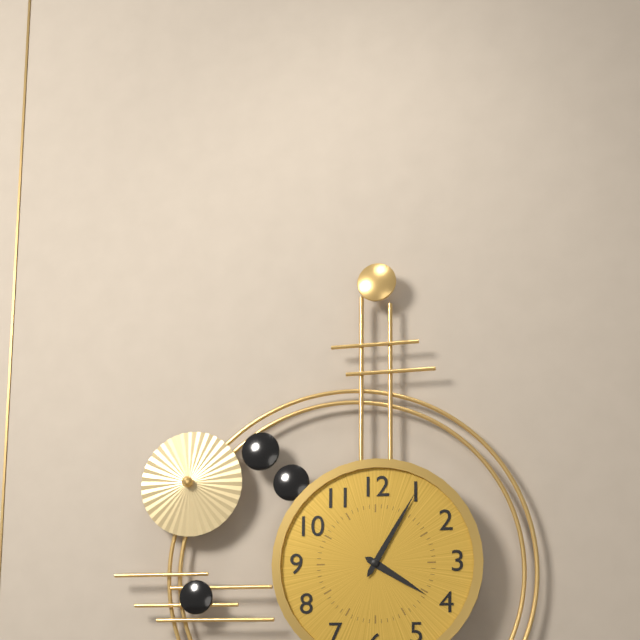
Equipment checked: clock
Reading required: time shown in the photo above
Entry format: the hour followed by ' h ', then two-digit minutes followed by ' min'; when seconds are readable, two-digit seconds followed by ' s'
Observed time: 4 h 05 min
